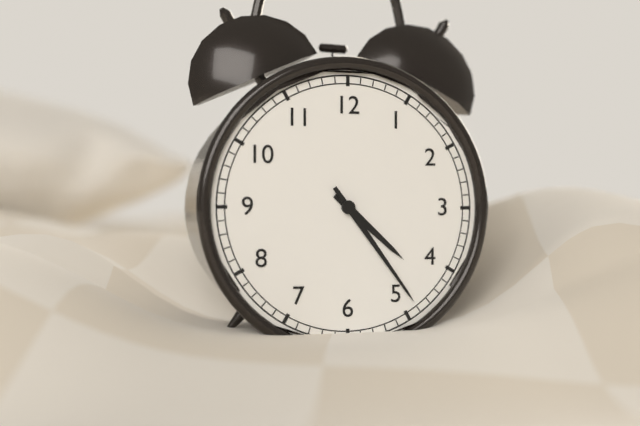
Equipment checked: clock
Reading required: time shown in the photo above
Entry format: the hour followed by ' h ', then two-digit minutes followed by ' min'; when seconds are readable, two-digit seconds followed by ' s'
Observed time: 4 h 24 min
